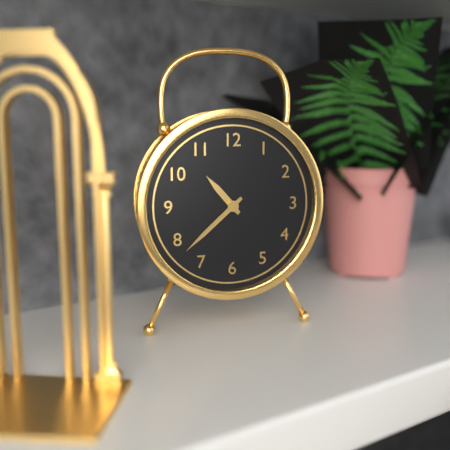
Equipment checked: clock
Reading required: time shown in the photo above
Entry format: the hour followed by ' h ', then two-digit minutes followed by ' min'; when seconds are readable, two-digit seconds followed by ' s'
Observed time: 10 h 38 min
